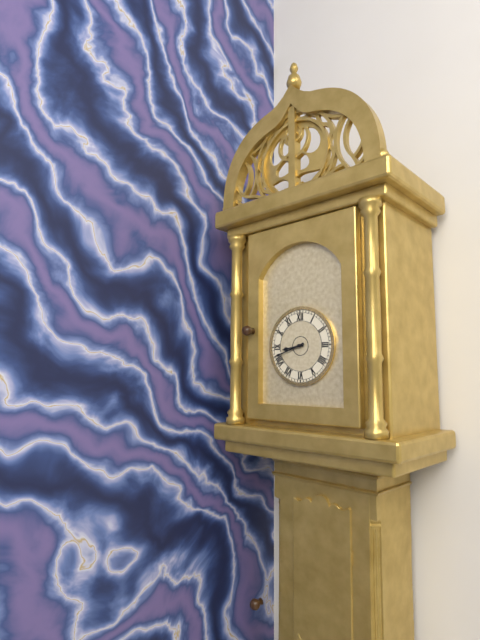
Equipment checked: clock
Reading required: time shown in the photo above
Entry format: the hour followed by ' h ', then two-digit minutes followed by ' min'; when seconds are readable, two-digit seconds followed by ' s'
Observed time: 8 h 42 min
